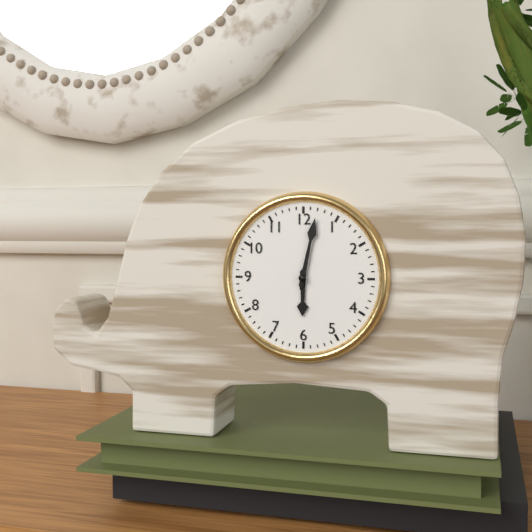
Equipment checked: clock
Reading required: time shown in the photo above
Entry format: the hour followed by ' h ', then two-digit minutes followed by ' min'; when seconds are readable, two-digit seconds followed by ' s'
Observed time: 6 h 02 min
